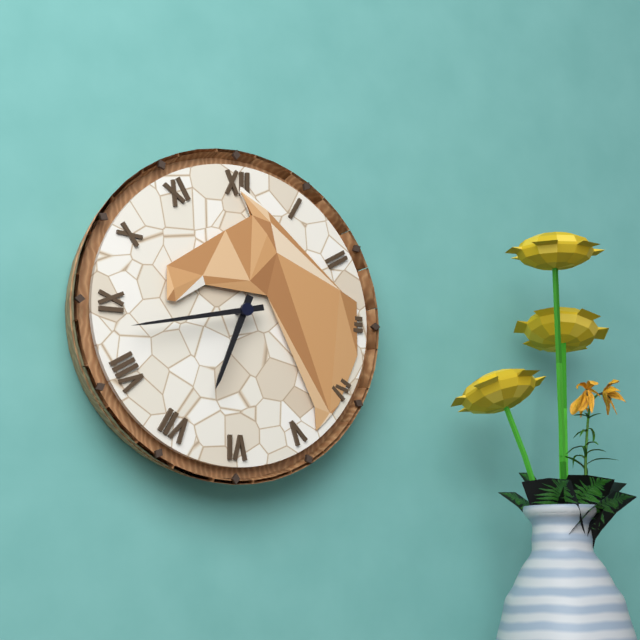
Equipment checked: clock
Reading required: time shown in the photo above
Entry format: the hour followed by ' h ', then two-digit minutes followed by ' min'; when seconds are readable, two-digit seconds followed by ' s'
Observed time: 6 h 43 min
